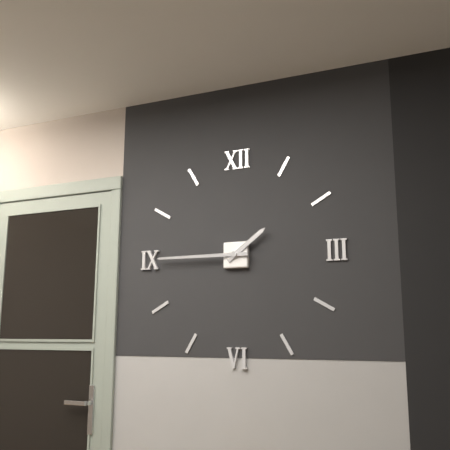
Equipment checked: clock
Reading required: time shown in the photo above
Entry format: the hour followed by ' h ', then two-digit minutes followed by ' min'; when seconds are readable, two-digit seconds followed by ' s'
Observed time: 1 h 45 min
